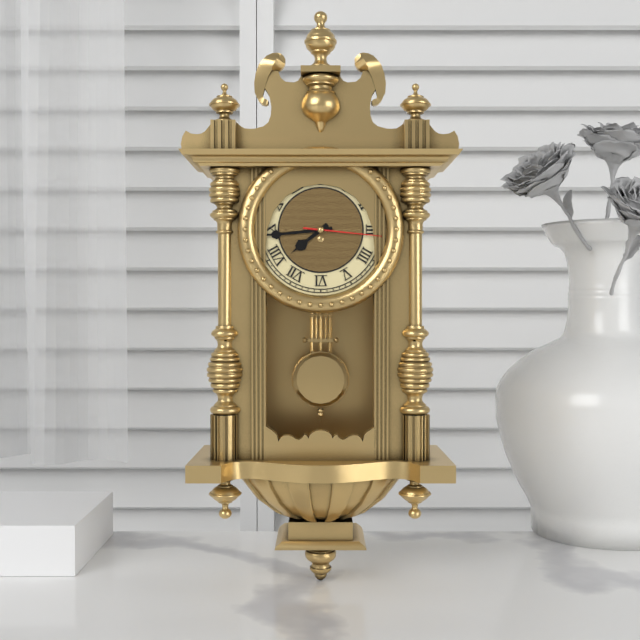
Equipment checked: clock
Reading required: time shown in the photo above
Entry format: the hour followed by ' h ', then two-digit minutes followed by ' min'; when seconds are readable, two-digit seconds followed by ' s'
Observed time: 7 h 44 min 16 s
